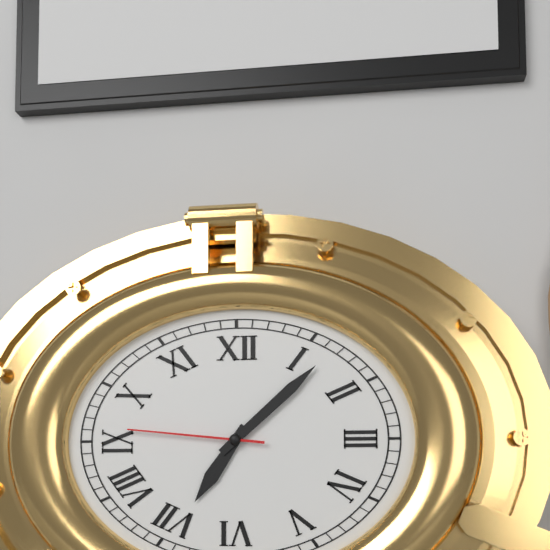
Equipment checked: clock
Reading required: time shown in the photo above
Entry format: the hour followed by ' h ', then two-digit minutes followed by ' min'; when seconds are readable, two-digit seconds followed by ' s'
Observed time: 7 h 08 min 46 s
